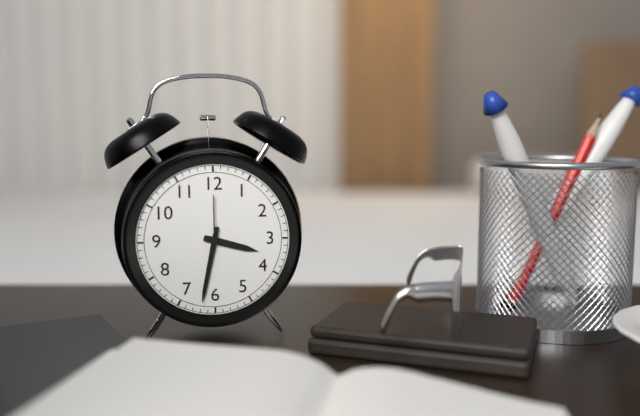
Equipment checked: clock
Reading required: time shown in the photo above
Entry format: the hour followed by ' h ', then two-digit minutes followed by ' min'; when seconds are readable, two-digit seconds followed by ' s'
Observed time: 3 h 32 min 00 s
